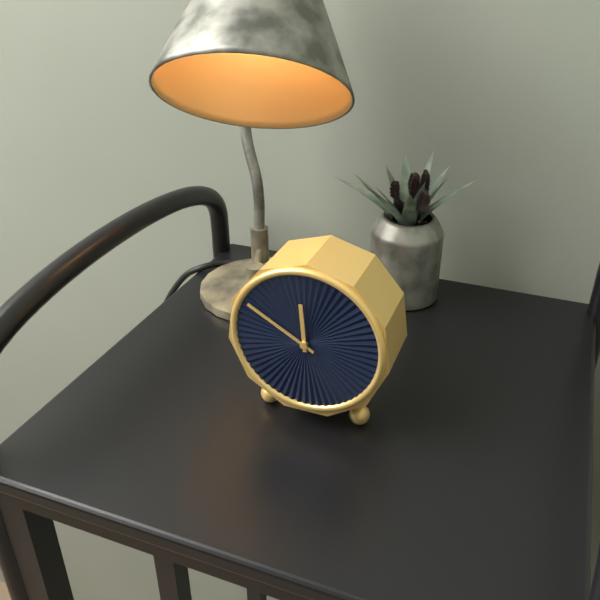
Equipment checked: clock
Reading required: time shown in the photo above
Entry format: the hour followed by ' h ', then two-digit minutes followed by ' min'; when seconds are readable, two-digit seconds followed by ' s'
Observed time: 11 h 50 min
